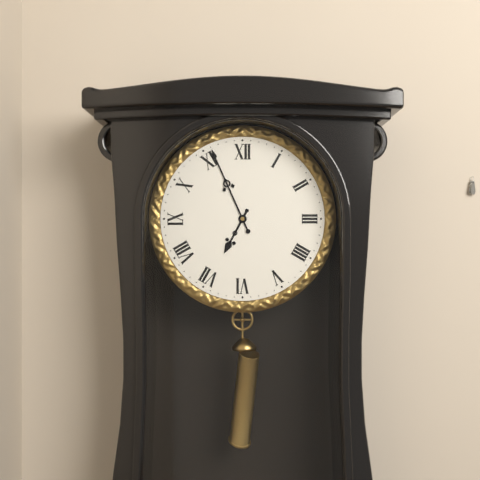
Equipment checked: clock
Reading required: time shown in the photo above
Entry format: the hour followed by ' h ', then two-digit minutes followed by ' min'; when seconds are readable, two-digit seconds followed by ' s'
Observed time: 6 h 56 min
